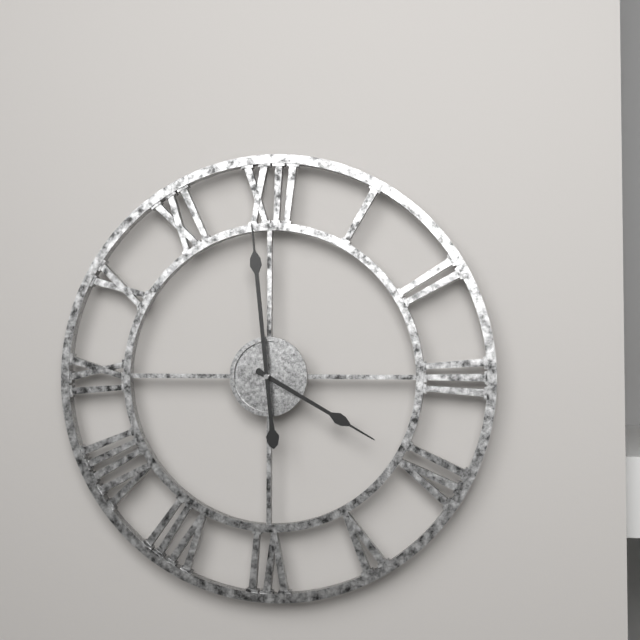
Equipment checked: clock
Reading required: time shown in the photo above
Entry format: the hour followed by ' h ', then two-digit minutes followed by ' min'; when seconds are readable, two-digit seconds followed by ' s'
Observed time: 3 h 59 min
